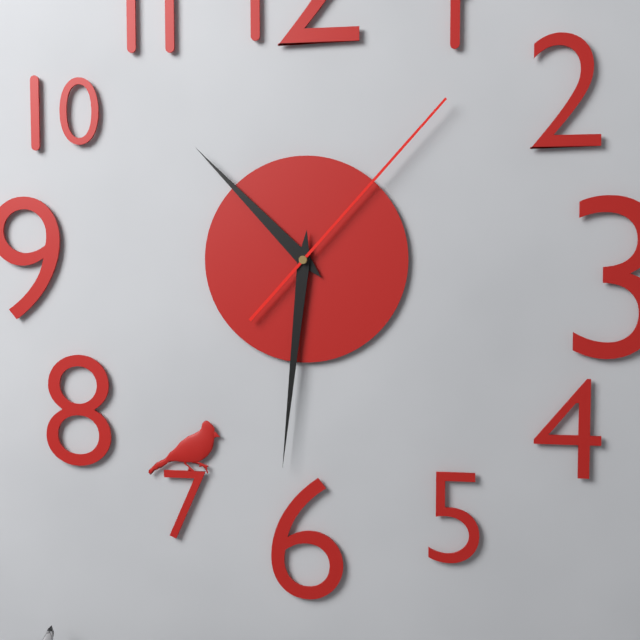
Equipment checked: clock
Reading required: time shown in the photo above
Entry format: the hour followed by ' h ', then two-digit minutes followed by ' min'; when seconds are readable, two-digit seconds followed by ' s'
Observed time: 10 h 31 min 07 s
